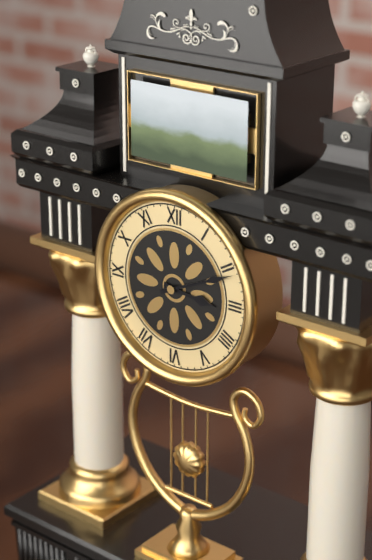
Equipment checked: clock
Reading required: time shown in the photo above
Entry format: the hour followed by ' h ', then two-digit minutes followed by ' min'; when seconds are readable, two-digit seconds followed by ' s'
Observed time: 3 h 11 min
